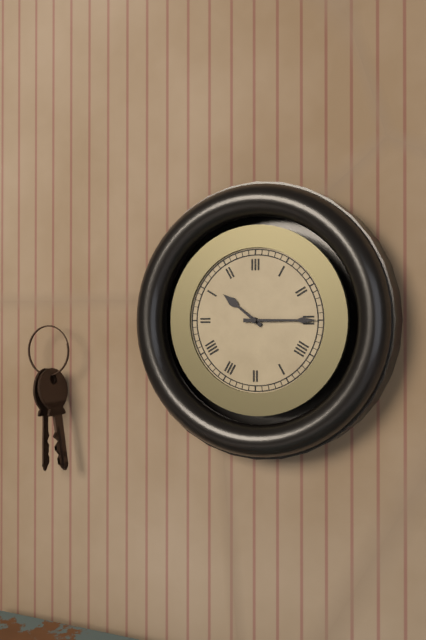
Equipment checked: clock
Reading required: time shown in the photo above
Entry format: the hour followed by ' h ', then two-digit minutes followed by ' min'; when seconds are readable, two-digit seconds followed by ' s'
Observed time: 10 h 15 min
